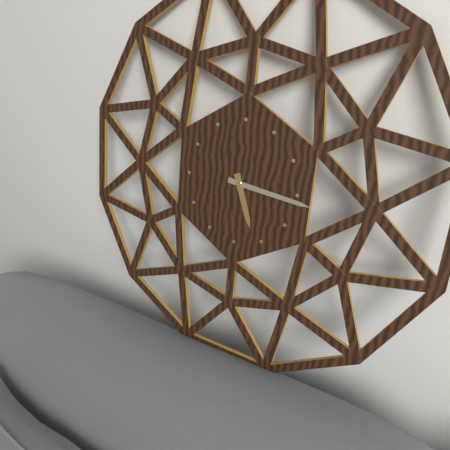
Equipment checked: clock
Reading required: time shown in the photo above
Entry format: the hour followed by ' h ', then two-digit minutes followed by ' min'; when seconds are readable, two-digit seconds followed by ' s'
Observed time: 5 h 16 min
